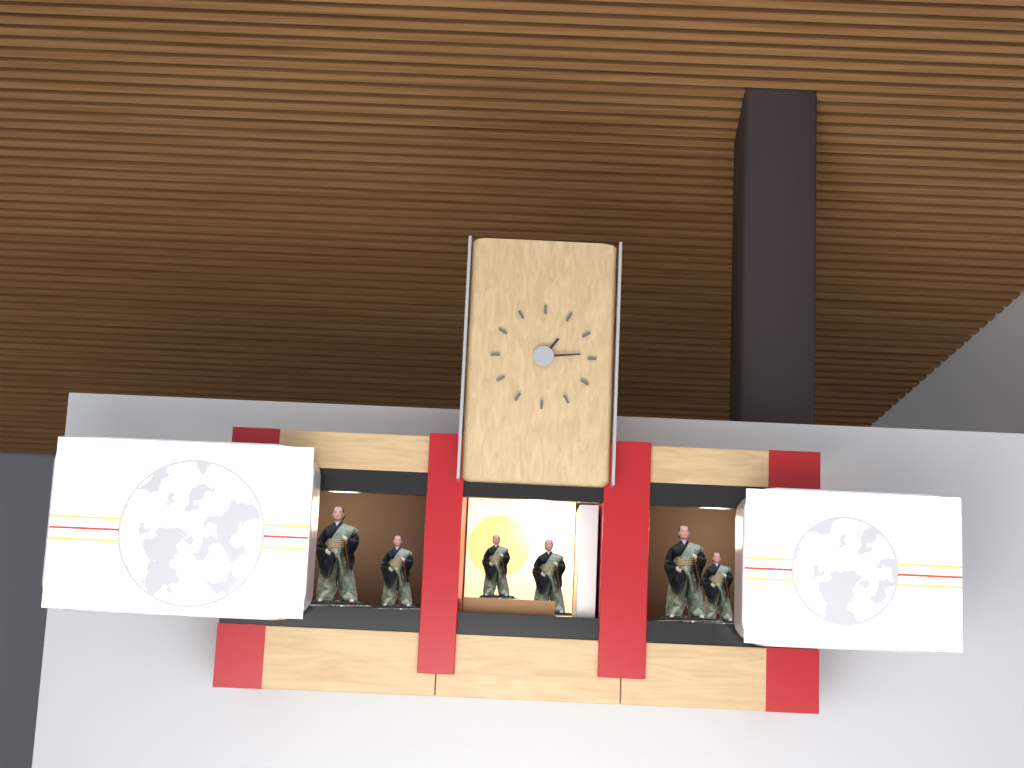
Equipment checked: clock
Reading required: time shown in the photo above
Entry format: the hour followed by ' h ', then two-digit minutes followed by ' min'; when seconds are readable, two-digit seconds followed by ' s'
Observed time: 1 h 14 min
